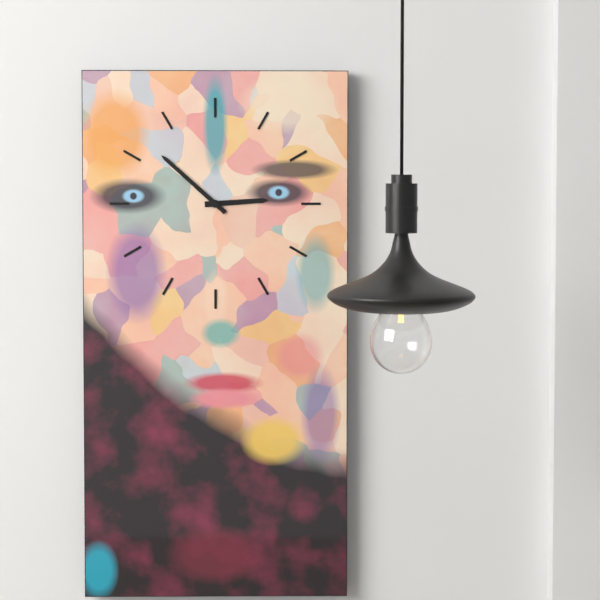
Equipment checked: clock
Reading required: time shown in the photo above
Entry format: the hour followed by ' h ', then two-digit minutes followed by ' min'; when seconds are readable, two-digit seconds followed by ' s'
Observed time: 2 h 52 min
